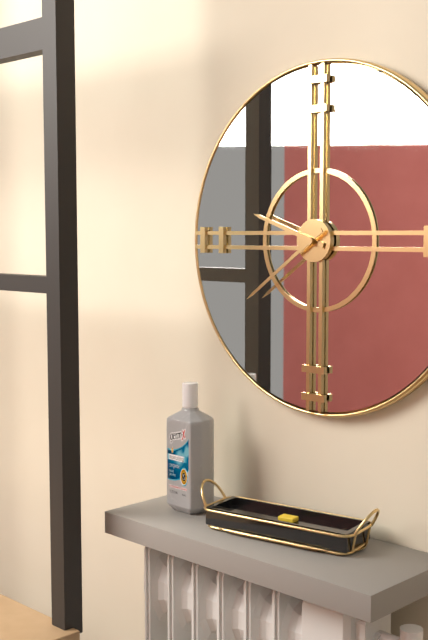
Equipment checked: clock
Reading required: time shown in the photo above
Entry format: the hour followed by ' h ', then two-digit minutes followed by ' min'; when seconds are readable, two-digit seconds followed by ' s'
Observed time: 9 h 39 min
